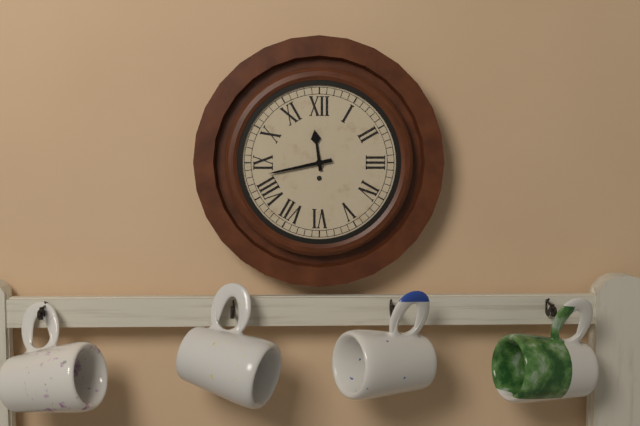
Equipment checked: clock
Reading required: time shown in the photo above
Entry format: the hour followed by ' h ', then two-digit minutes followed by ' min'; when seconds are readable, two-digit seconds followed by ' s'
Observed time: 11 h 43 min
